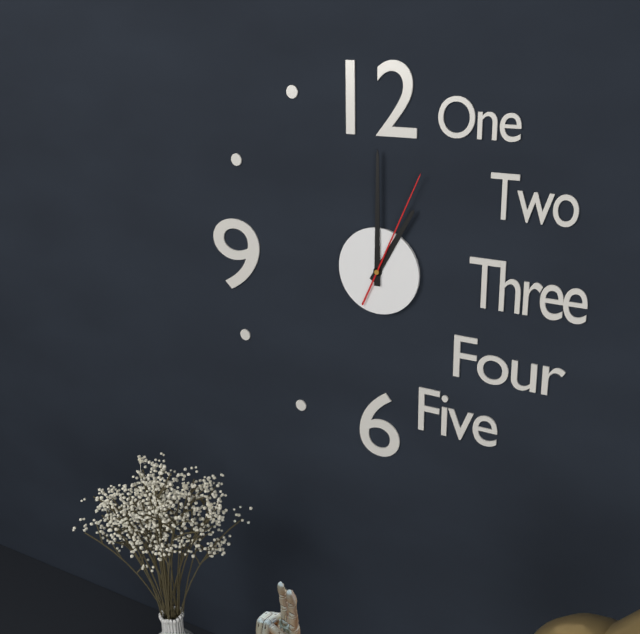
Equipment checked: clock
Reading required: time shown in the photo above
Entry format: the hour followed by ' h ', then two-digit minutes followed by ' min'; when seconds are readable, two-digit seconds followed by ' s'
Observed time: 1 h 00 min 04 s
